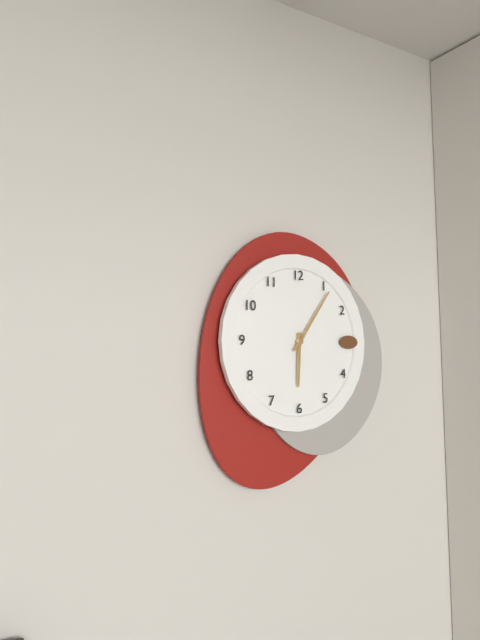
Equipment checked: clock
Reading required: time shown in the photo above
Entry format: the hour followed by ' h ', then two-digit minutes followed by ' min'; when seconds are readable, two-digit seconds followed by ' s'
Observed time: 6 h 06 min
